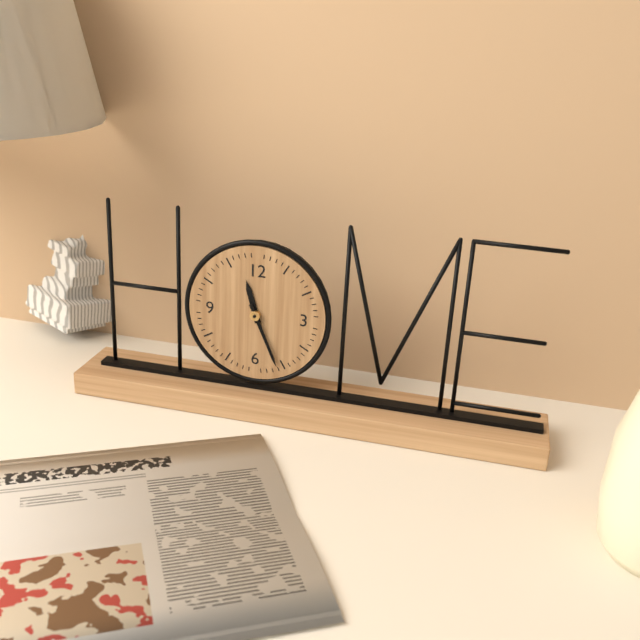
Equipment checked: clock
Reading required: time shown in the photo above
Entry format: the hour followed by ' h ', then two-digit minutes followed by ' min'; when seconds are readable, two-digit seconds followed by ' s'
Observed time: 11 h 26 min
